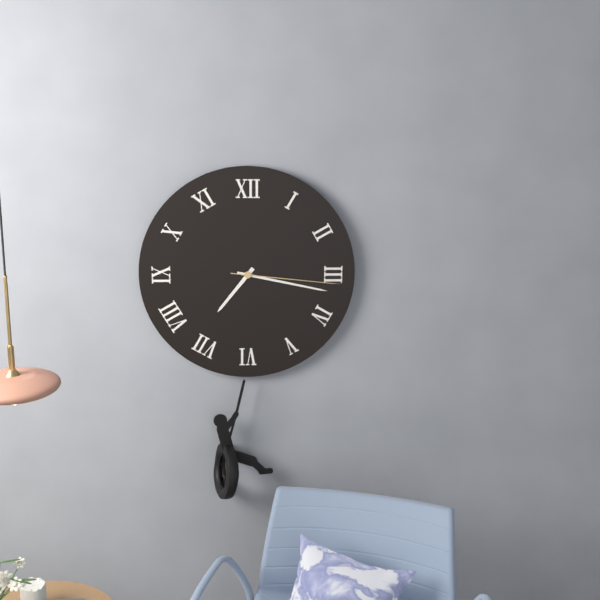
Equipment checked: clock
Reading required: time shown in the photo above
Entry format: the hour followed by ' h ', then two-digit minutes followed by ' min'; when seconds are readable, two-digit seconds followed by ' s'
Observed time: 7 h 17 min 16 s
